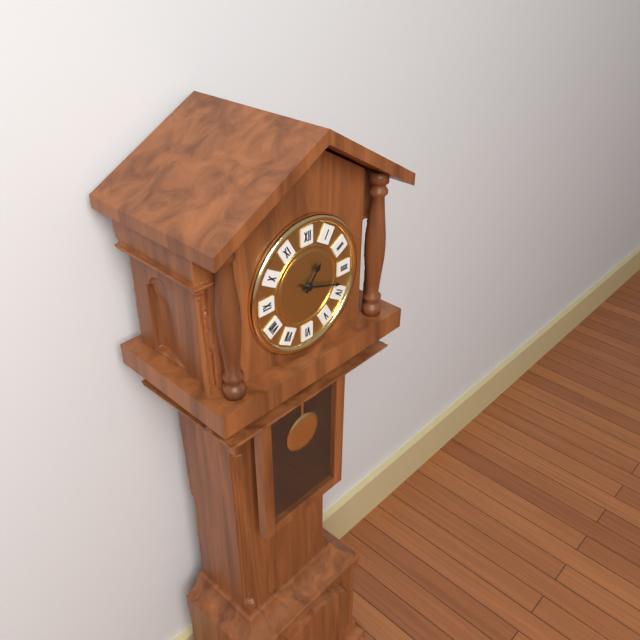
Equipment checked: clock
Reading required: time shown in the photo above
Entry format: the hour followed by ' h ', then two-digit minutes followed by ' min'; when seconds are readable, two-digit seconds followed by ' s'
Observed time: 1 h 18 min
